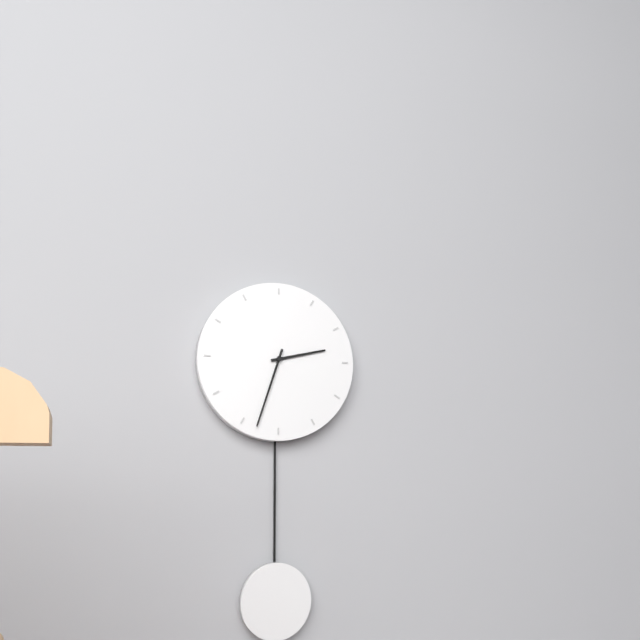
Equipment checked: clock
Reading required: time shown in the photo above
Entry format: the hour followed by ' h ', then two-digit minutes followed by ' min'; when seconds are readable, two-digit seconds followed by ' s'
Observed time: 2 h 33 min
